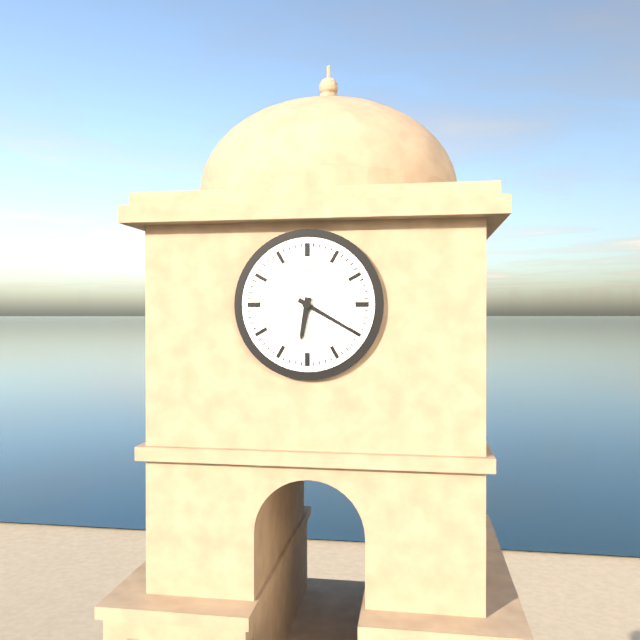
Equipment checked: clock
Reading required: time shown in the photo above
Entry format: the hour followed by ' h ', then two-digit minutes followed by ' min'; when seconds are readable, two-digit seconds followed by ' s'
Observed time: 6 h 20 min
